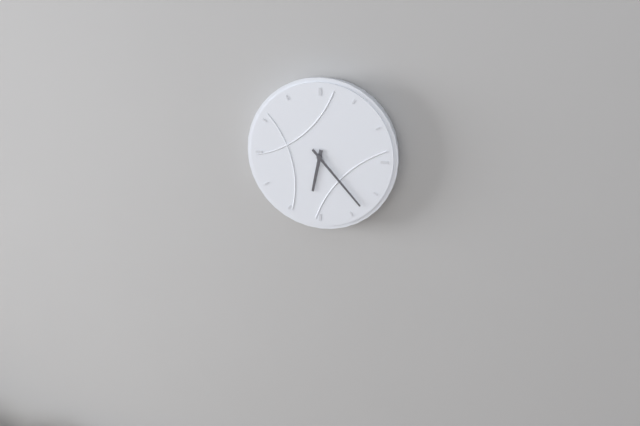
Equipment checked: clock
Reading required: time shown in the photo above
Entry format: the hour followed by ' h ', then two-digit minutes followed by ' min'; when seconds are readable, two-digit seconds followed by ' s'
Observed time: 6 h 23 min
